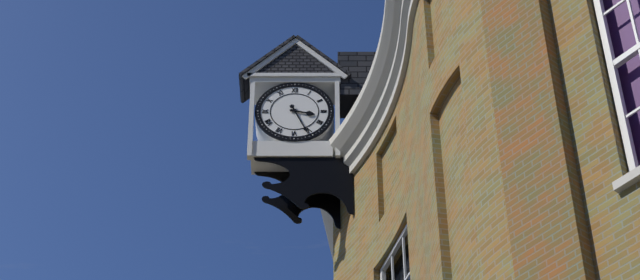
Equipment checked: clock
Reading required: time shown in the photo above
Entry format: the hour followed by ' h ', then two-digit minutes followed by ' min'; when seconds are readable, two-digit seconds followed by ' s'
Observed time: 3 h 26 min
